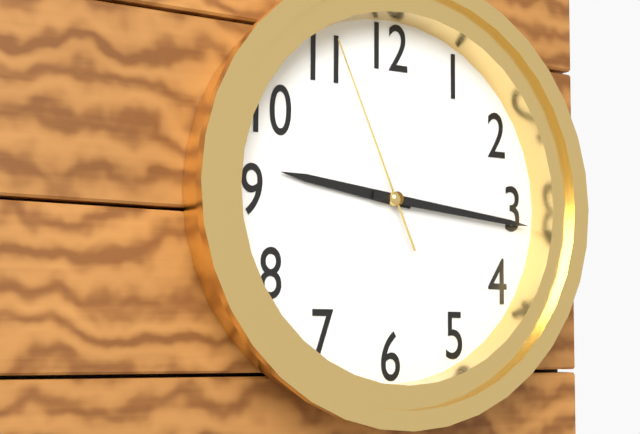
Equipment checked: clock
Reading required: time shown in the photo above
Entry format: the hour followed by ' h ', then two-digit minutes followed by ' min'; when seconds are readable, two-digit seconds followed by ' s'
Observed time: 9 h 16 min 56 s
